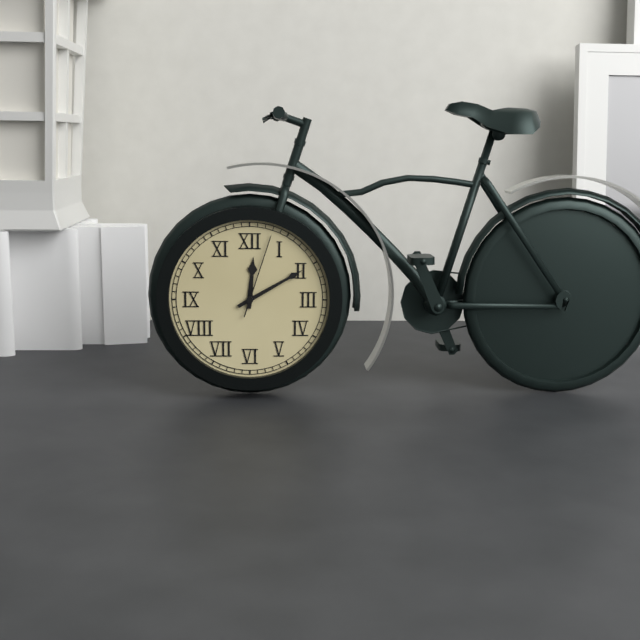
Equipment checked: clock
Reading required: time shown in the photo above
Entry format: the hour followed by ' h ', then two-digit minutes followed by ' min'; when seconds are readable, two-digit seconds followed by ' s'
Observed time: 12 h 10 min 03 s
